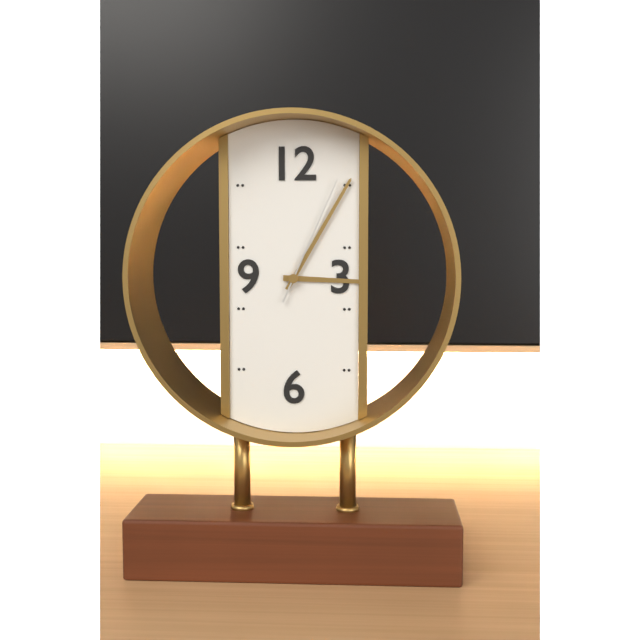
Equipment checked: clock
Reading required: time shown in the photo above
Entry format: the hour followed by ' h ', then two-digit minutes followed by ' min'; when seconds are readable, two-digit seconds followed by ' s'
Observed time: 3 h 05 min 04 s
